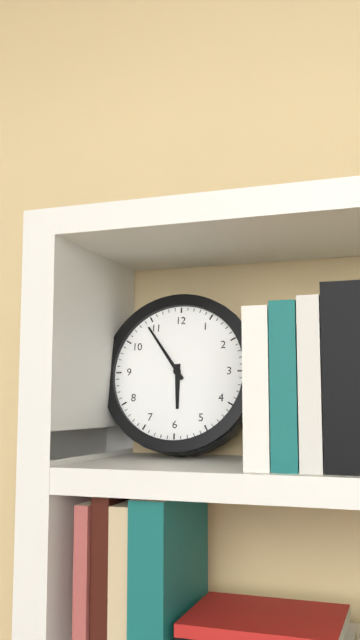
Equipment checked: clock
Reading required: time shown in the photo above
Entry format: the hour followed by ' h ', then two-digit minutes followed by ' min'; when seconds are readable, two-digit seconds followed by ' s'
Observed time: 5 h 54 min
